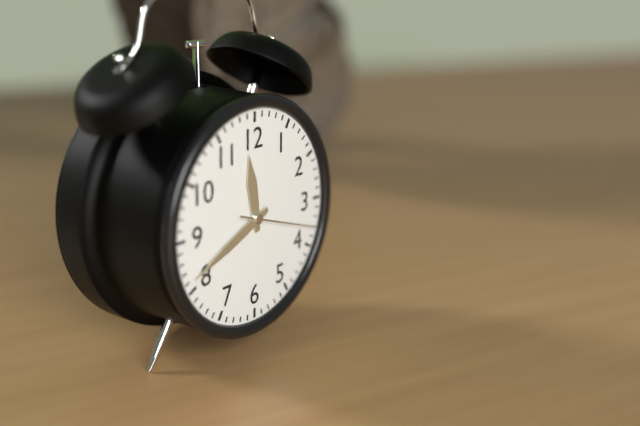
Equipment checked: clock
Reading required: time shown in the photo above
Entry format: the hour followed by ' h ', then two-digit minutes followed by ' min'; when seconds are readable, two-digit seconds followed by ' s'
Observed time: 11 h 41 min 18 s
